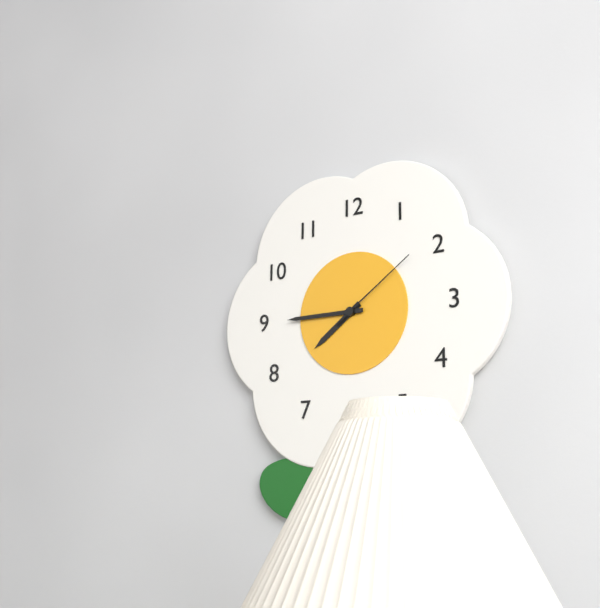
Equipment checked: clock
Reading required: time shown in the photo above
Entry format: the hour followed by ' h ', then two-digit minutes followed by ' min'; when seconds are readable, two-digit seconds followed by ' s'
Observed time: 7 h 45 min 09 s
